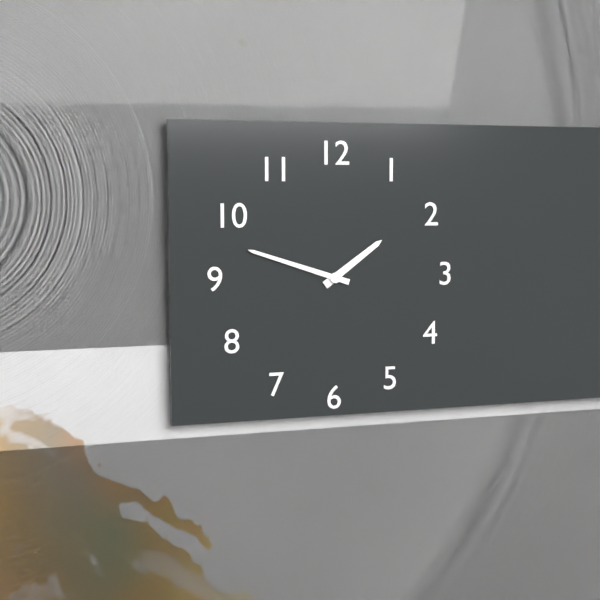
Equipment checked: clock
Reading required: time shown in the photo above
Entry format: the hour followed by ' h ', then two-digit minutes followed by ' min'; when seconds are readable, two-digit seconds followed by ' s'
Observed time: 1 h 48 min
